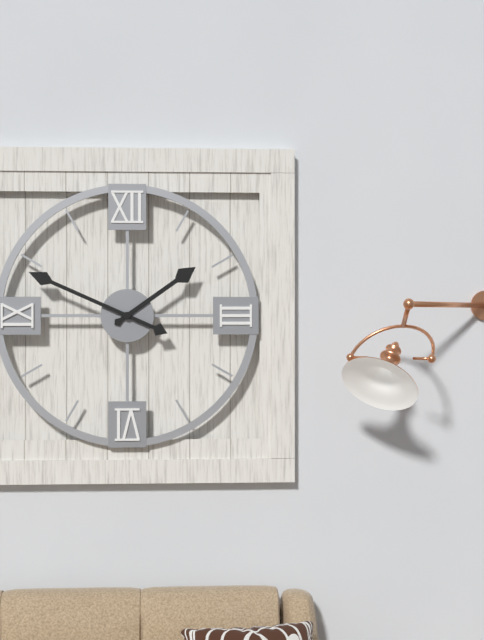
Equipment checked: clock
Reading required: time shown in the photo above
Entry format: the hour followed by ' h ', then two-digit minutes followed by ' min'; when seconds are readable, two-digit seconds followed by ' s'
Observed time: 1 h 49 min
